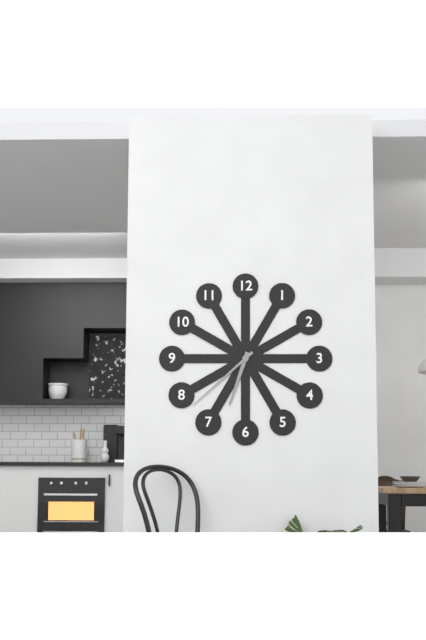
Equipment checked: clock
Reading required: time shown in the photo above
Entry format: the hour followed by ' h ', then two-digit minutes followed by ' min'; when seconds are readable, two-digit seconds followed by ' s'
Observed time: 6 h 38 min
